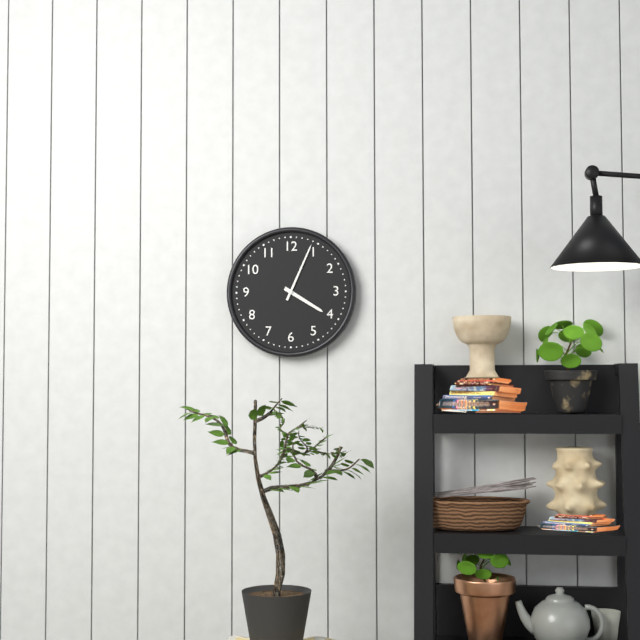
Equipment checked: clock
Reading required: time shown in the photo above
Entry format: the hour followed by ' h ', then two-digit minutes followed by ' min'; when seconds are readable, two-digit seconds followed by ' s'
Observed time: 4 h 04 min
